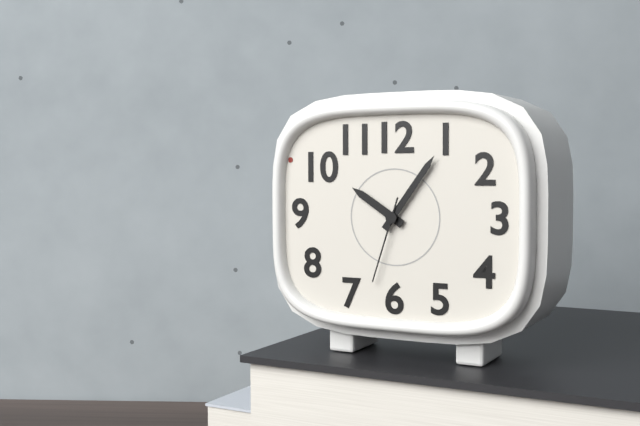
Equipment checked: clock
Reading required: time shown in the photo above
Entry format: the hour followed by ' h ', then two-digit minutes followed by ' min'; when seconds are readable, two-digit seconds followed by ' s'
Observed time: 10 h 06 min 33 s
